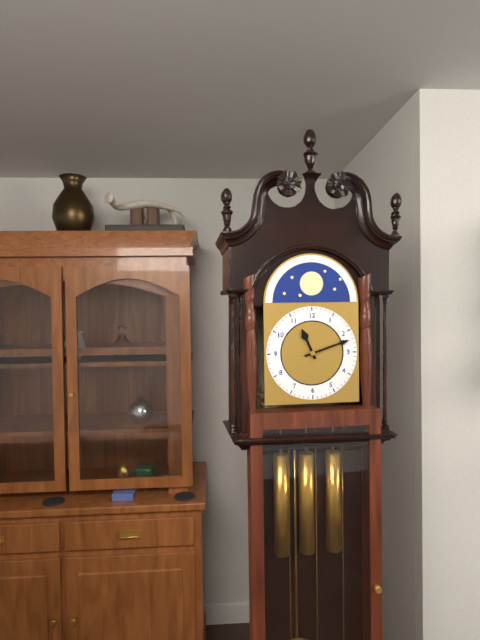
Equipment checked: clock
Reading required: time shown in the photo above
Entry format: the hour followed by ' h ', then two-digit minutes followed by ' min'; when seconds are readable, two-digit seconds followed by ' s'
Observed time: 11 h 12 min
